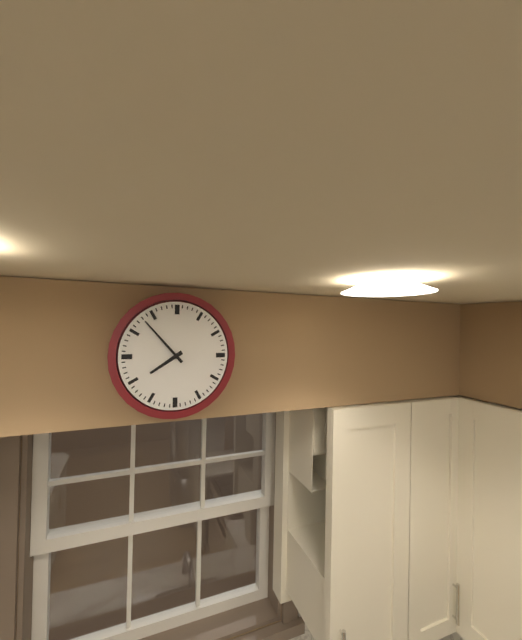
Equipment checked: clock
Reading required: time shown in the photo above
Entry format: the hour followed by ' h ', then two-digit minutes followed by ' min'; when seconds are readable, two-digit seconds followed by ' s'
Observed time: 7 h 53 min
